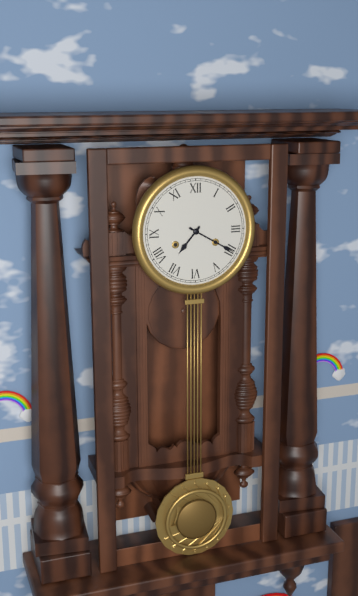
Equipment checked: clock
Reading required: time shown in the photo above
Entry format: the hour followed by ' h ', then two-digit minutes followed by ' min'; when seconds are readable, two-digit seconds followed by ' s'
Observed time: 7 h 20 min
